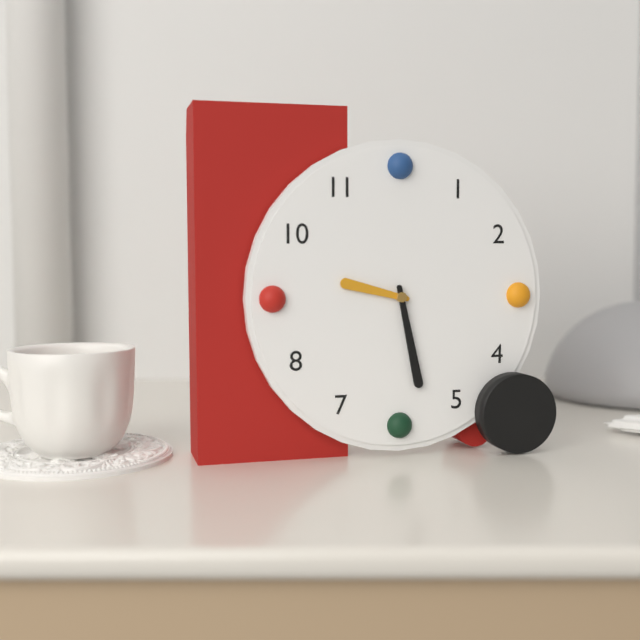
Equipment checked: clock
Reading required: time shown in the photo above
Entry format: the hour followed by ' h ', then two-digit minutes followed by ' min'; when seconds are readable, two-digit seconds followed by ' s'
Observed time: 9 h 28 min
